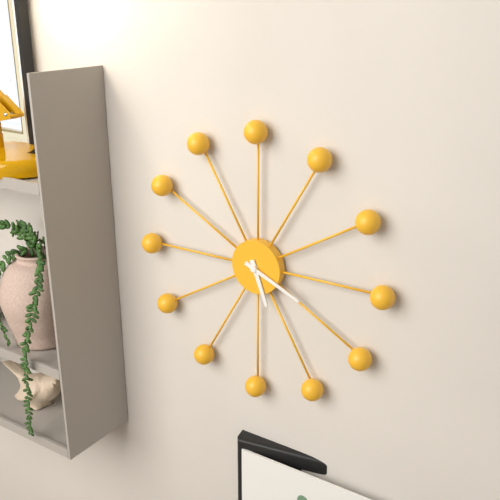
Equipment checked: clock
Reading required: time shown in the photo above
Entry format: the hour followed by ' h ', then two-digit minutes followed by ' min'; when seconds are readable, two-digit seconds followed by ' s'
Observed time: 5 h 19 min
